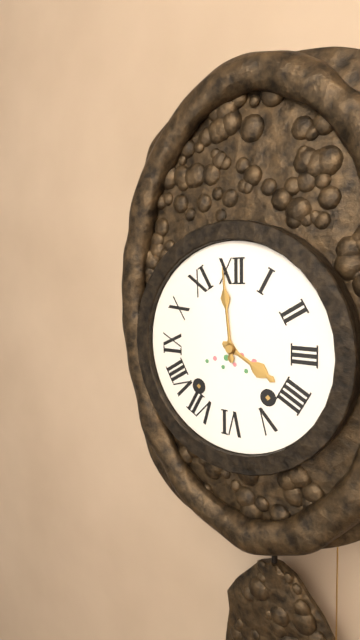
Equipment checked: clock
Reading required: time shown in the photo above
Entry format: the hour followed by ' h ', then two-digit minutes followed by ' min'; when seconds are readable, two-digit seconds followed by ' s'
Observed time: 3 h 59 min
